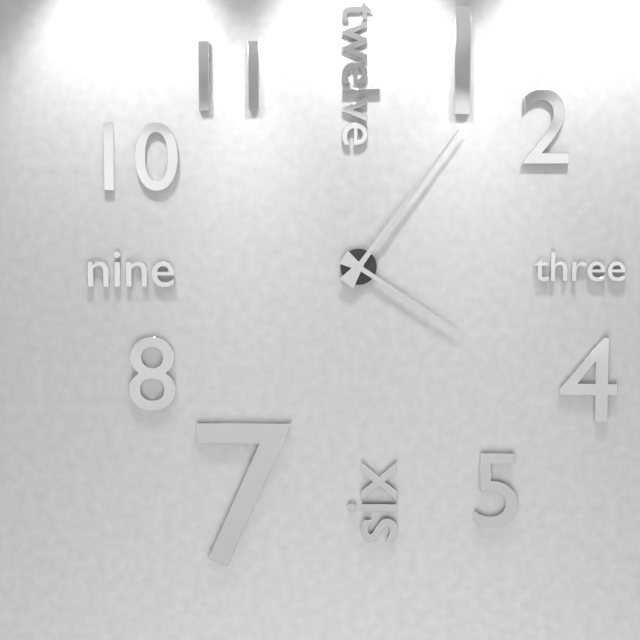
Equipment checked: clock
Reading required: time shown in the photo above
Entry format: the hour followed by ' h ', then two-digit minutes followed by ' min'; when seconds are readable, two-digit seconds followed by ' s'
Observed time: 4 h 06 min
